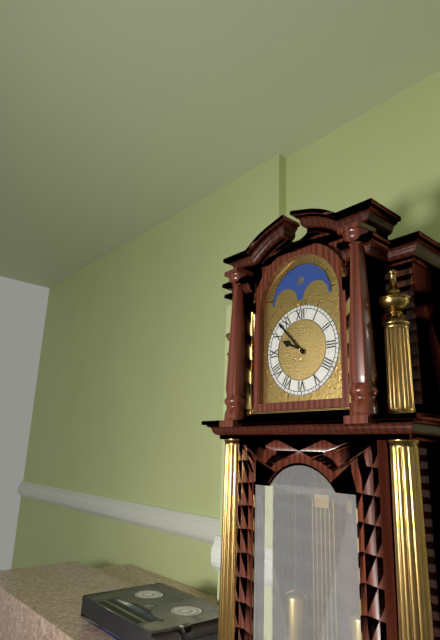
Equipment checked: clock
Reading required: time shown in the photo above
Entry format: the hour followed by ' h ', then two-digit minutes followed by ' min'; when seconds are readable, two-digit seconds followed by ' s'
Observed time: 9 h 53 min
